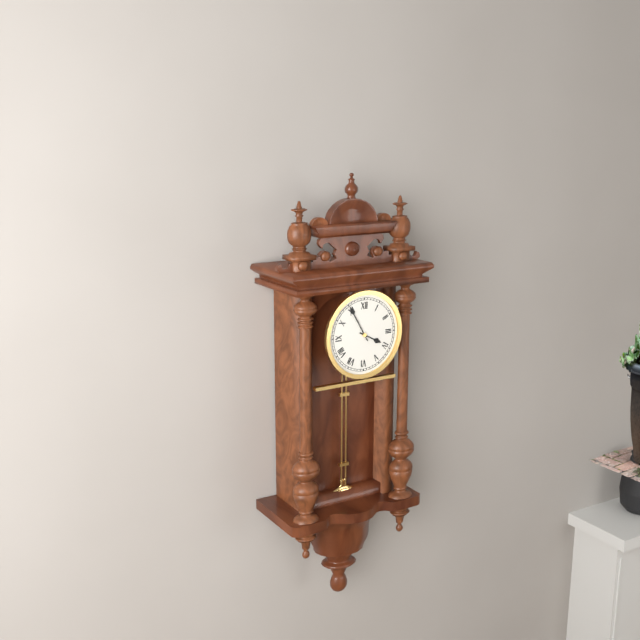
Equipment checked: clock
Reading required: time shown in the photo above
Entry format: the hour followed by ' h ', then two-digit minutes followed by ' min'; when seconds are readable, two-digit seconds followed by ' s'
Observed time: 3 h 55 min
